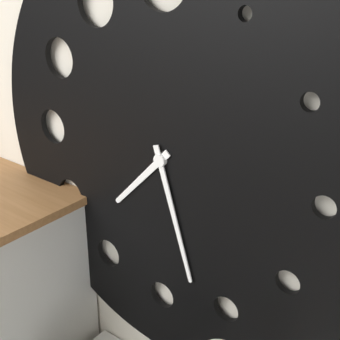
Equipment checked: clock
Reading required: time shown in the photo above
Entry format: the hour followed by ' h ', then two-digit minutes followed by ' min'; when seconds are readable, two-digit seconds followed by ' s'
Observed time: 7 h 27 min
